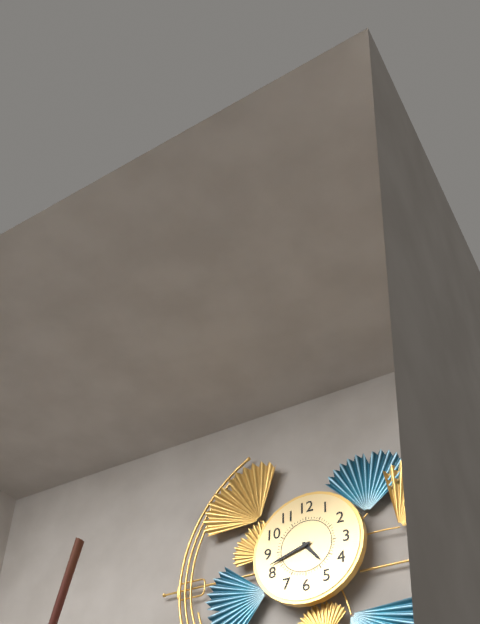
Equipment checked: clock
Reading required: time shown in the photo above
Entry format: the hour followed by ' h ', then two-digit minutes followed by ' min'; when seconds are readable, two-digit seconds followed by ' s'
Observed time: 4 h 42 min
